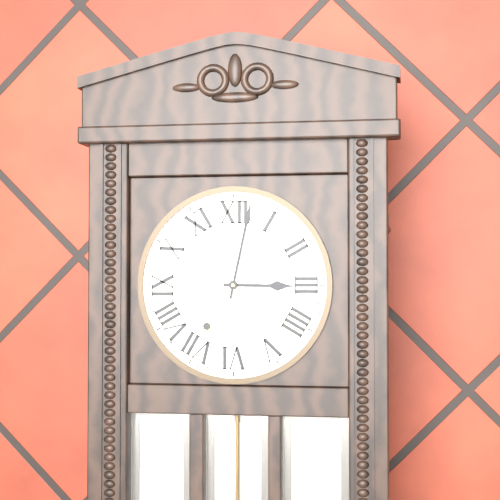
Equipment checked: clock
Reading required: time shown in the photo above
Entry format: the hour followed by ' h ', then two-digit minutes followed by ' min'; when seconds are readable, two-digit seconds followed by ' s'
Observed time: 3 h 02 min
